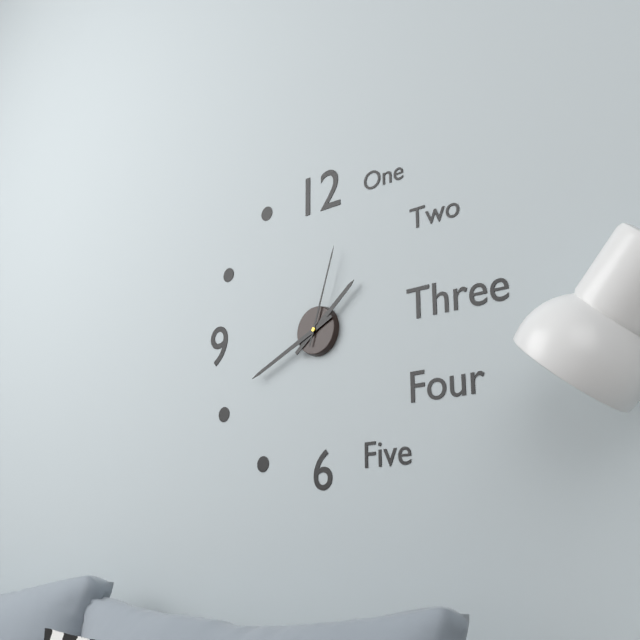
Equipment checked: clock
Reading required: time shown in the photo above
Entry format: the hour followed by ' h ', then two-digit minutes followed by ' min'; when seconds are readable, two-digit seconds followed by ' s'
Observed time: 1 h 41 min 03 s
